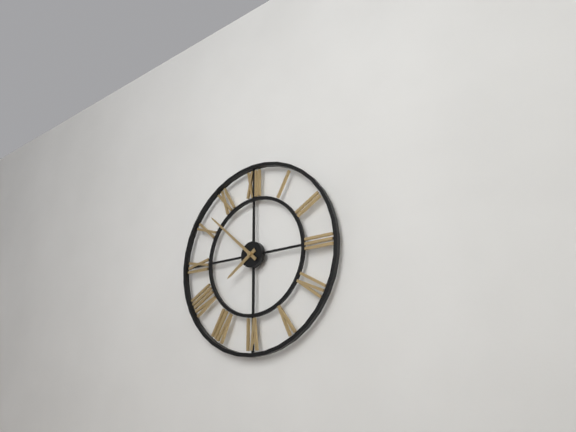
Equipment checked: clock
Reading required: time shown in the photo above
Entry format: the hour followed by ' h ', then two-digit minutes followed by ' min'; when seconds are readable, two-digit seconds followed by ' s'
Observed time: 7 h 52 min
